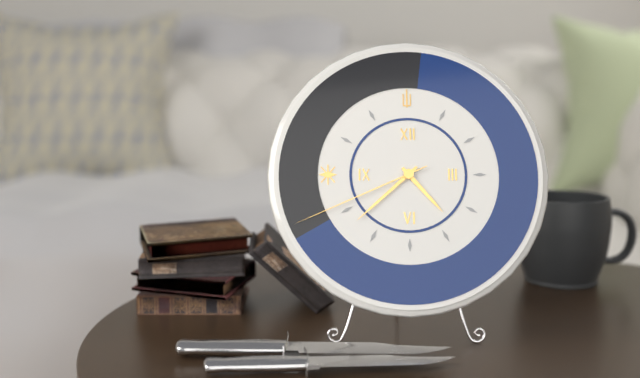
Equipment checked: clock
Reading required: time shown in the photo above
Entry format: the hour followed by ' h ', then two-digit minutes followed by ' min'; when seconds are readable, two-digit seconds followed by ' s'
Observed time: 4 h 38 min 41 s
